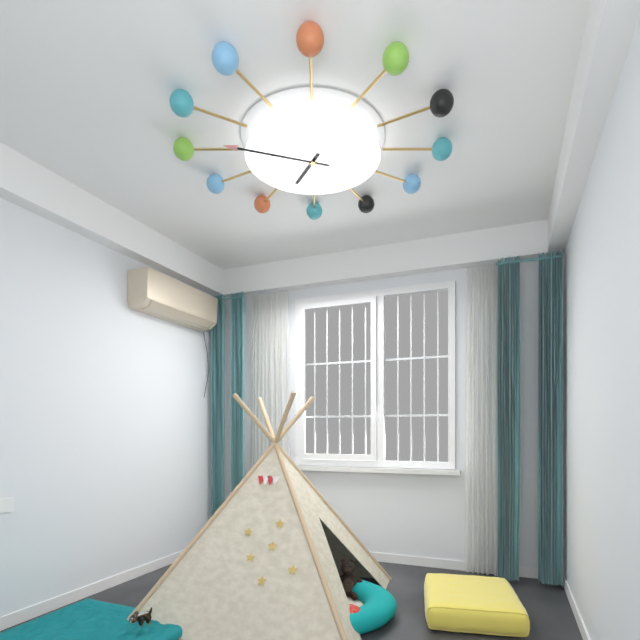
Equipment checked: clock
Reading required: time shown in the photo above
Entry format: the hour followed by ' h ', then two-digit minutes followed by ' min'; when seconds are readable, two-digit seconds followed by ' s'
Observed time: 6 h 48 min
